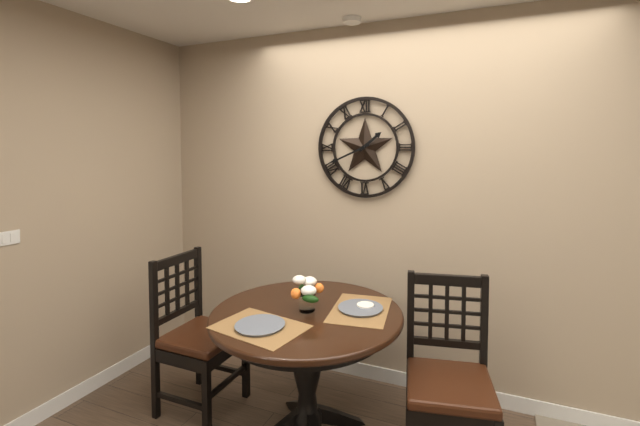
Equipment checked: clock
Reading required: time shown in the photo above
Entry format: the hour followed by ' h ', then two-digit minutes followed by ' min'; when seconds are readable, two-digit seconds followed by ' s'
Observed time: 1 h 41 min
